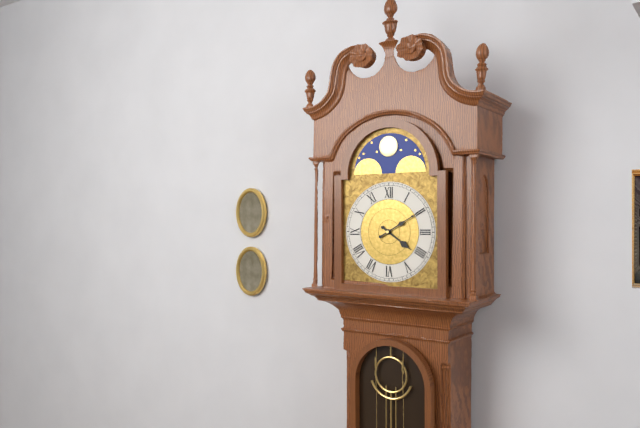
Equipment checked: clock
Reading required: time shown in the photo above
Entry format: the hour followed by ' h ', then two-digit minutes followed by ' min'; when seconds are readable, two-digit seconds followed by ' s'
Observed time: 4 h 10 min
